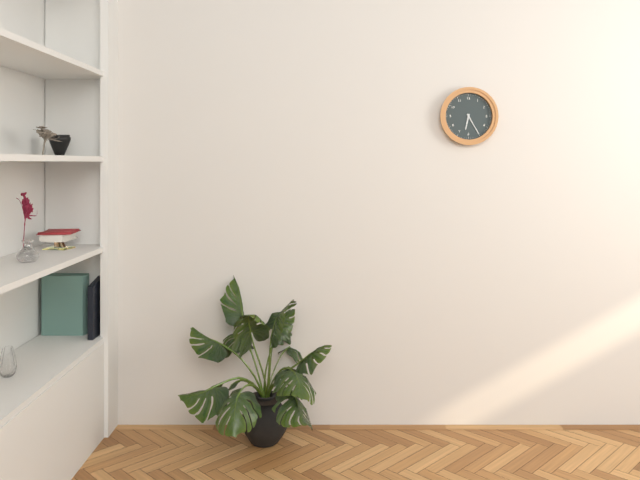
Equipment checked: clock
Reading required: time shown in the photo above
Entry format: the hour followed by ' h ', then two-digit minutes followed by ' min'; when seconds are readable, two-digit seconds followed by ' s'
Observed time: 6 h 25 min
